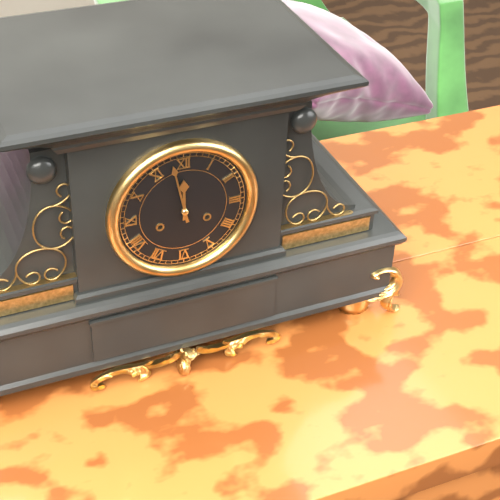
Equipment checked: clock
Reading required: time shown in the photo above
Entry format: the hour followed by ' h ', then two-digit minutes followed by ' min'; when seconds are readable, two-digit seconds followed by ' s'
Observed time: 11 h 58 min
